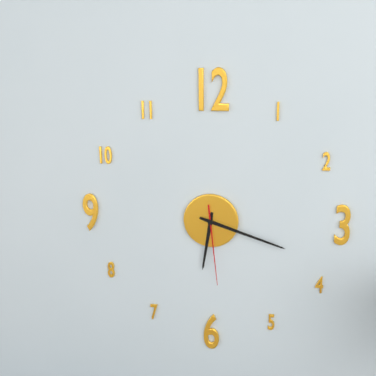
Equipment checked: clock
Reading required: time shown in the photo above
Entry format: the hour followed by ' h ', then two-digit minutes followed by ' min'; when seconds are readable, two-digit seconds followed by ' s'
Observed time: 6 h 18 min 29 s
